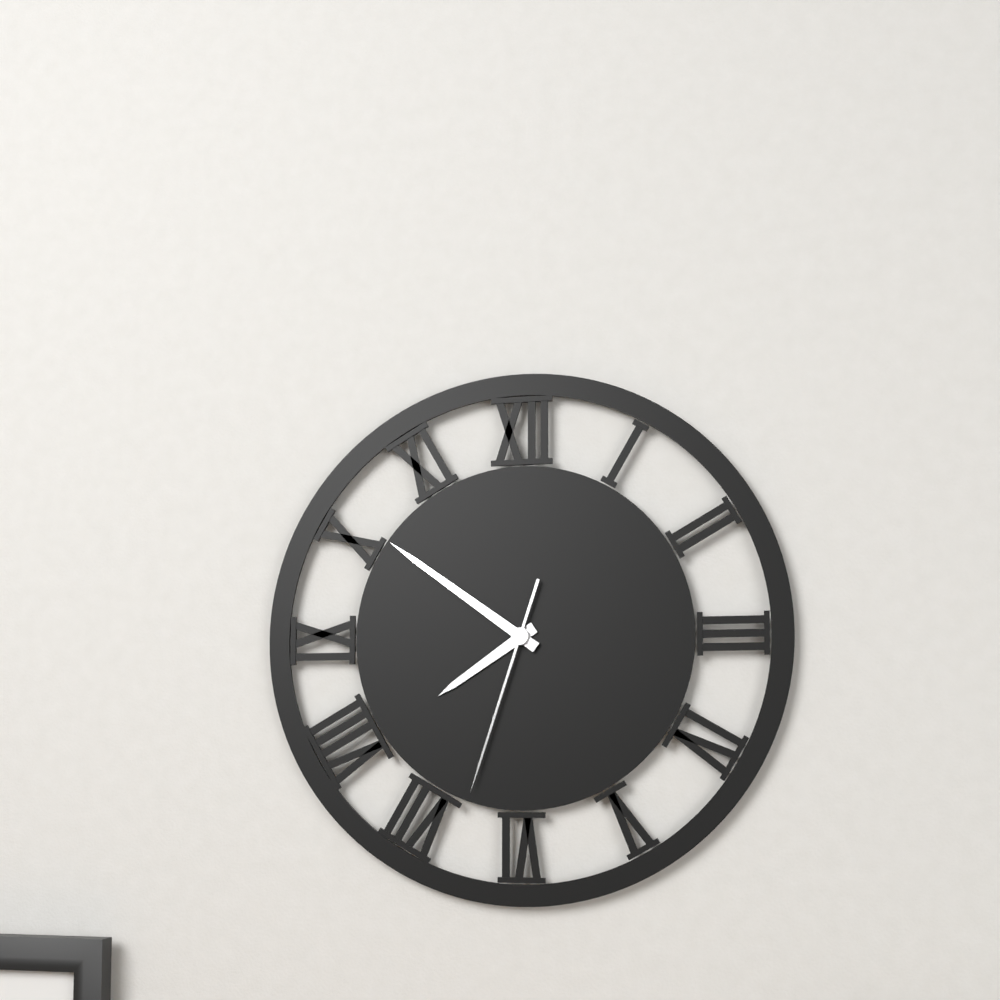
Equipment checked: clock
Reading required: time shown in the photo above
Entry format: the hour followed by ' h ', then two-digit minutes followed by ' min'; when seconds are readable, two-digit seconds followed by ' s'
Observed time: 7 h 51 min 33 s
